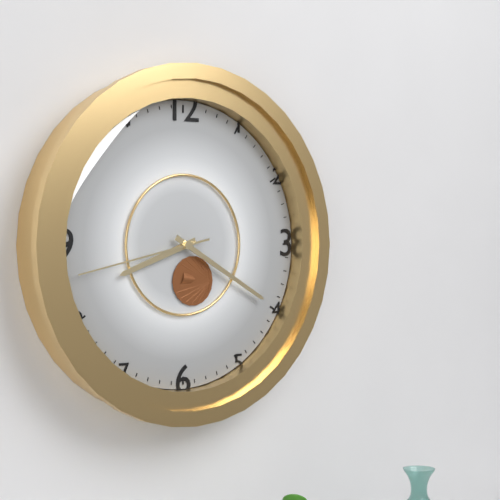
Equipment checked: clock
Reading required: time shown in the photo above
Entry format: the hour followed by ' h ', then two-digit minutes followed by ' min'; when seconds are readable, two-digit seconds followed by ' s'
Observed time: 8 h 20 min 43 s
